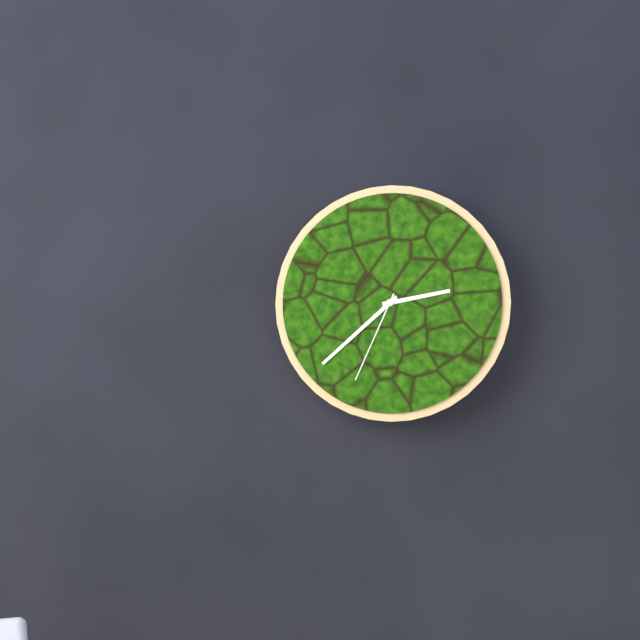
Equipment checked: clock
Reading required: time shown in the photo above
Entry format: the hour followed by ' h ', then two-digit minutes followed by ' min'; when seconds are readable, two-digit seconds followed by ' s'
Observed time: 2 h 38 min 34 s
